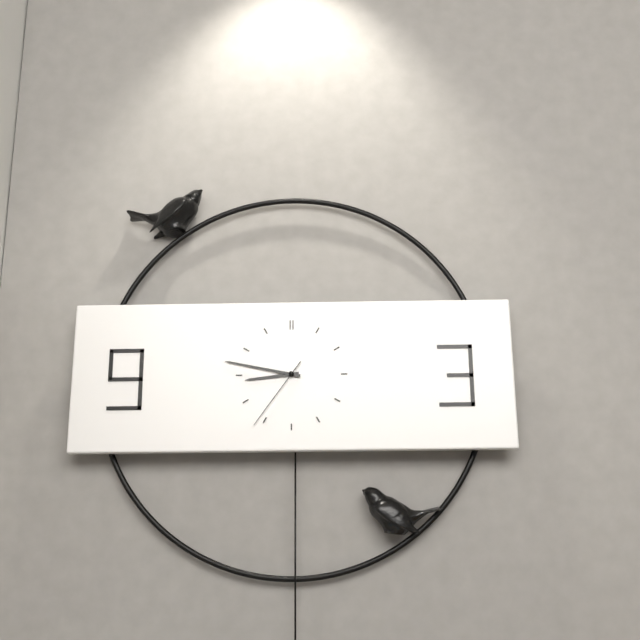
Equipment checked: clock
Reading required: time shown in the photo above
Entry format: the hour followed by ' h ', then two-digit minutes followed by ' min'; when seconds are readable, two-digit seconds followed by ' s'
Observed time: 8 h 47 min 36 s
